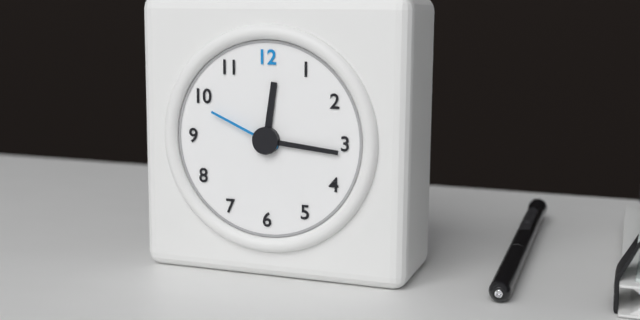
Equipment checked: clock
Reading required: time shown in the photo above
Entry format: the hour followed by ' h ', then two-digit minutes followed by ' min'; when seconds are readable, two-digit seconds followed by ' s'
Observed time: 12 h 16 min 49 s
